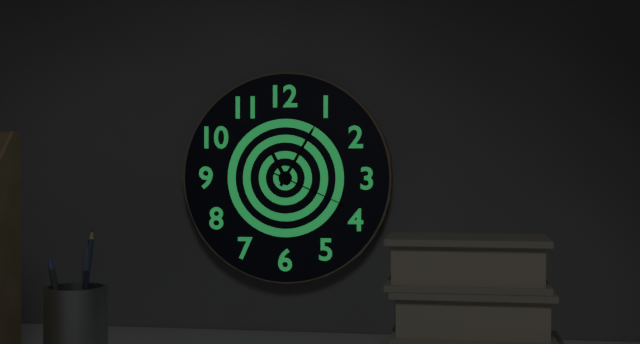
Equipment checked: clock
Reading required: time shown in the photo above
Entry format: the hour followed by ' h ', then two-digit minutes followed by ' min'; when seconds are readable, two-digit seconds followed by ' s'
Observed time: 11 h 05 min 19 s
